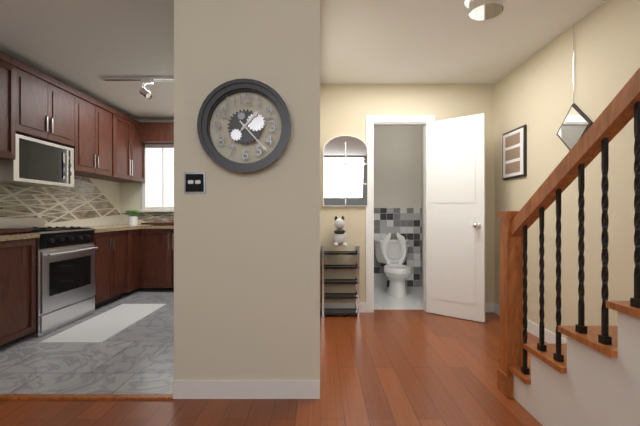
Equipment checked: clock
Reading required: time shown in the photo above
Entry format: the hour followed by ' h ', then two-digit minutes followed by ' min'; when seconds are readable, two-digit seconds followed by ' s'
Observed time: 1 h 23 min
